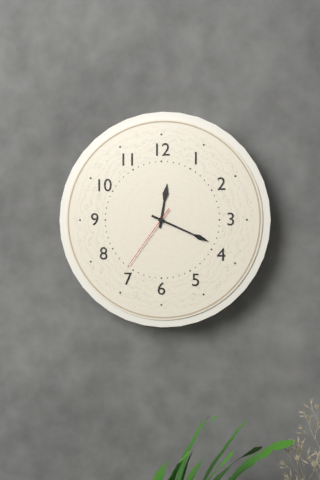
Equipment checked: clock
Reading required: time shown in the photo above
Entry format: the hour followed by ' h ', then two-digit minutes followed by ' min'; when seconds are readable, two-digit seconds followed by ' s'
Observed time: 12 h 19 min 36 s
